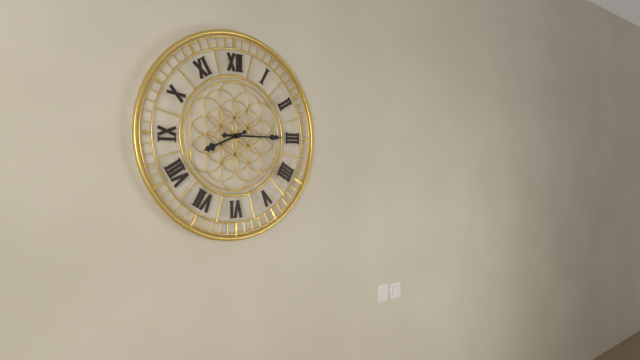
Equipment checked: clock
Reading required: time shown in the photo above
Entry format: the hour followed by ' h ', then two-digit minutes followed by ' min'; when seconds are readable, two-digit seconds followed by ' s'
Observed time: 8 h 15 min
